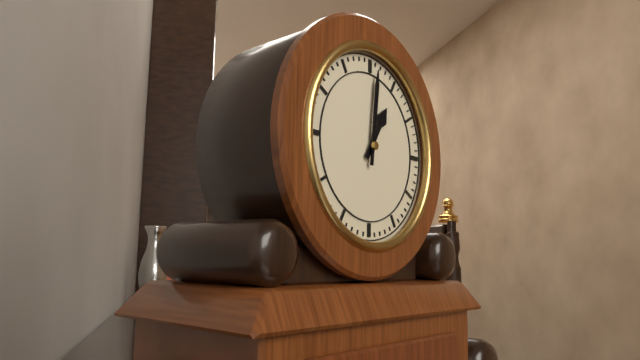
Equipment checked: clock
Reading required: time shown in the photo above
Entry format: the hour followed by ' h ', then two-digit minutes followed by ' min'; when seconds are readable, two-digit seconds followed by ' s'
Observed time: 1 h 01 min
